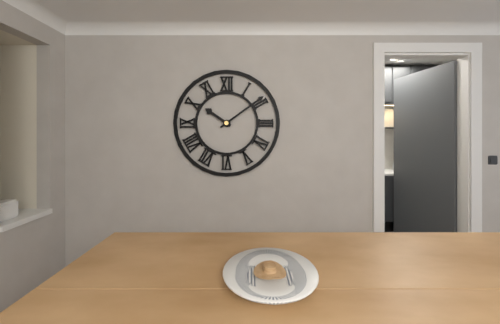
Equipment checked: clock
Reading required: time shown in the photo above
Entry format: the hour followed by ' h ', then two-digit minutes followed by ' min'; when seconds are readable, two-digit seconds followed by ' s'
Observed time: 10 h 09 min
